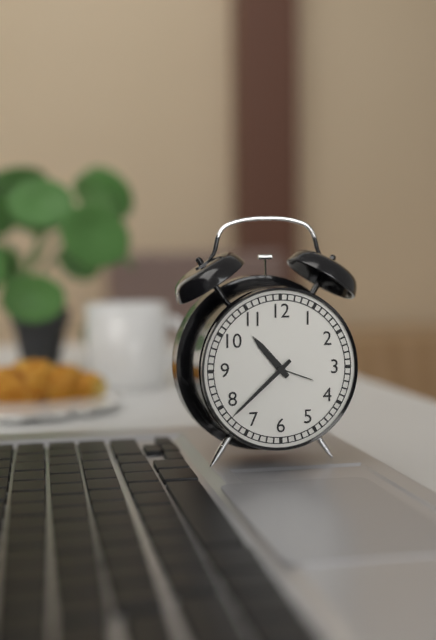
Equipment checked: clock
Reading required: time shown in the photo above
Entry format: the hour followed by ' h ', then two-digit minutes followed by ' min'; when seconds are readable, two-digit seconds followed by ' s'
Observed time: 10 h 38 min
